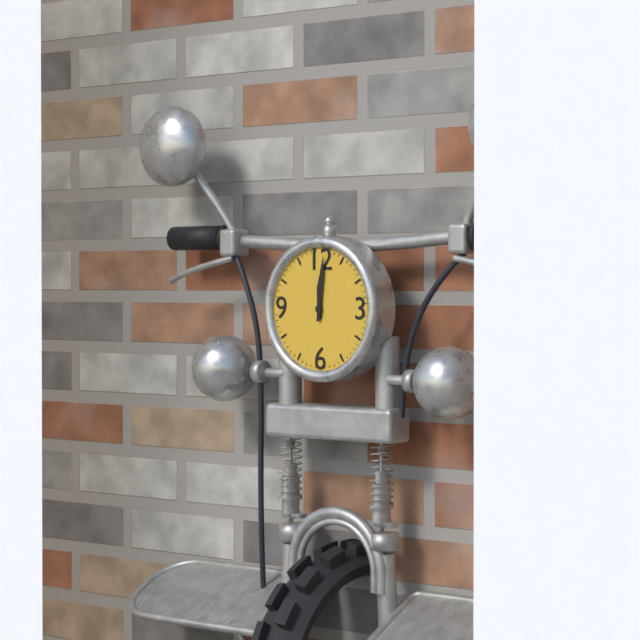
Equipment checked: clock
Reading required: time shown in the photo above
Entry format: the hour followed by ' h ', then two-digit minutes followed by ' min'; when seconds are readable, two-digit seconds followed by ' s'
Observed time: 12 h 01 min
